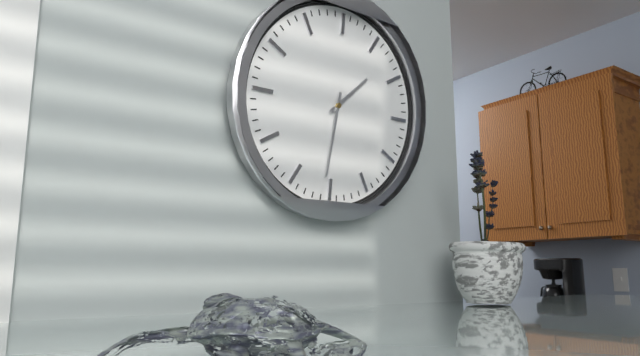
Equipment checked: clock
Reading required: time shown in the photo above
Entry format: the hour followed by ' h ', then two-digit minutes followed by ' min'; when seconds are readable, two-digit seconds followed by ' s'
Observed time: 1 h 31 min
